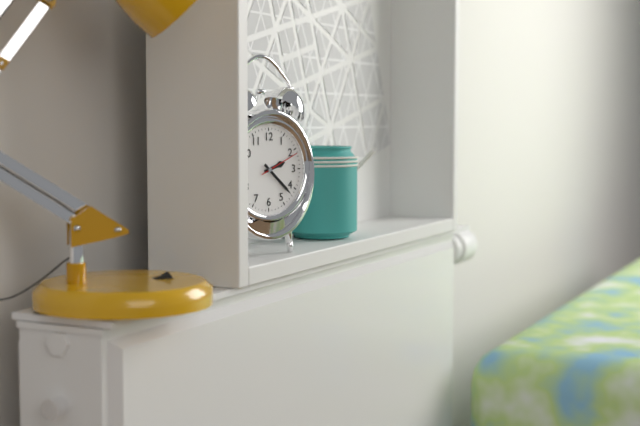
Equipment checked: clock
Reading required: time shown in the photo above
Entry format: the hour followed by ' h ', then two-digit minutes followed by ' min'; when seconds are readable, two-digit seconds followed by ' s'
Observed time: 2 h 22 min
